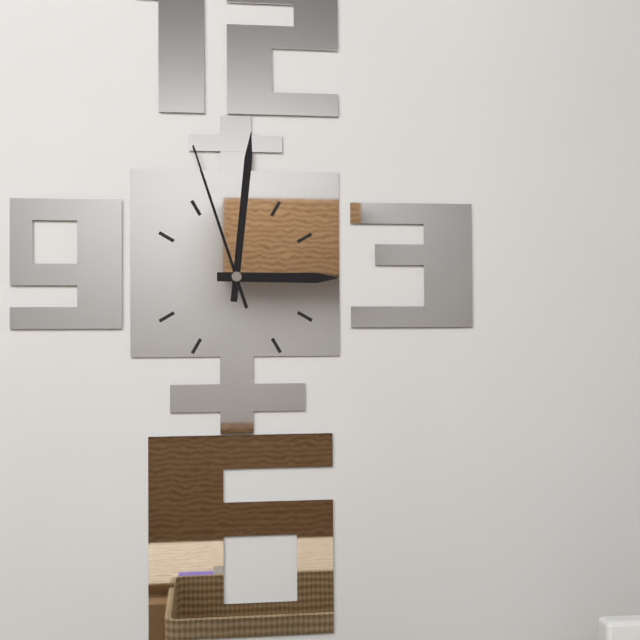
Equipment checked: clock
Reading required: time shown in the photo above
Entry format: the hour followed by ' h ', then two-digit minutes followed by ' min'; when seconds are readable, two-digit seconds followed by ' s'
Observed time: 3 h 01 min 57 s
